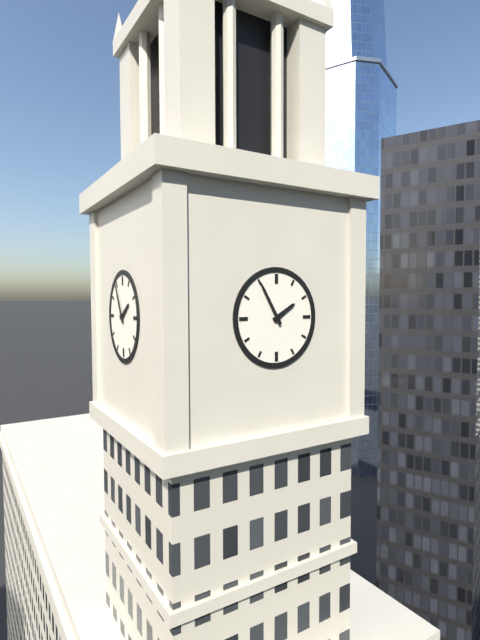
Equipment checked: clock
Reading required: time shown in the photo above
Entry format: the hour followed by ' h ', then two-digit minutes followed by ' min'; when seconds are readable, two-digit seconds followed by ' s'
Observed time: 1 h 55 min
